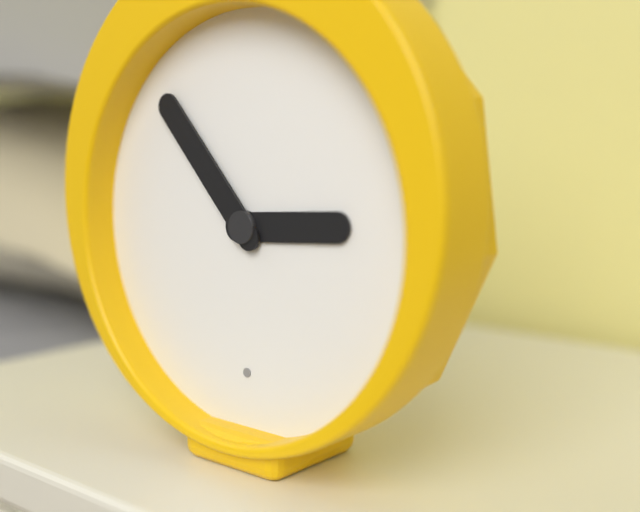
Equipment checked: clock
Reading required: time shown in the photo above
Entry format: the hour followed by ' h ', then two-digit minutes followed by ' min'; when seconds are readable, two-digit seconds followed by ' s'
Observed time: 2 h 53 min
